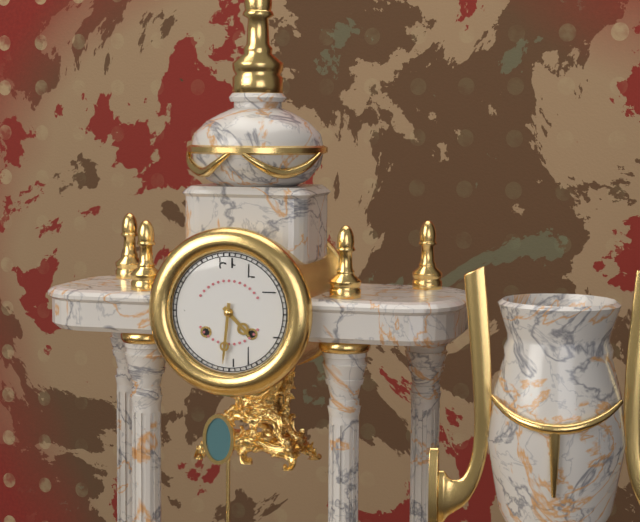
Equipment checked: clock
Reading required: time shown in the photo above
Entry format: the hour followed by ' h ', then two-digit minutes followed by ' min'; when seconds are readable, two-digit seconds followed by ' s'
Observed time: 4 h 31 min
